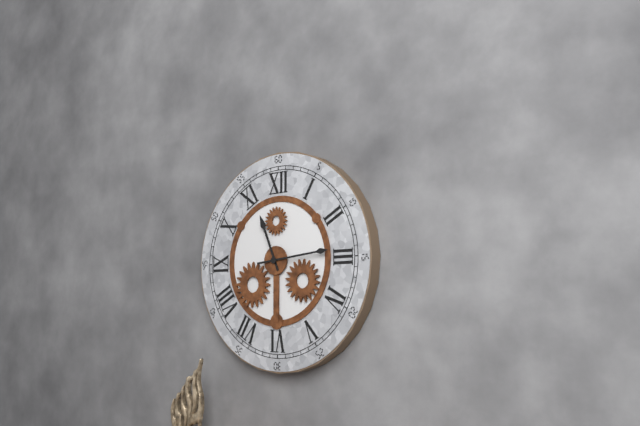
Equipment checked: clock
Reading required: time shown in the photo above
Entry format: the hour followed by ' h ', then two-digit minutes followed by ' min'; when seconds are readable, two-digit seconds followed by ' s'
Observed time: 11 h 14 min
